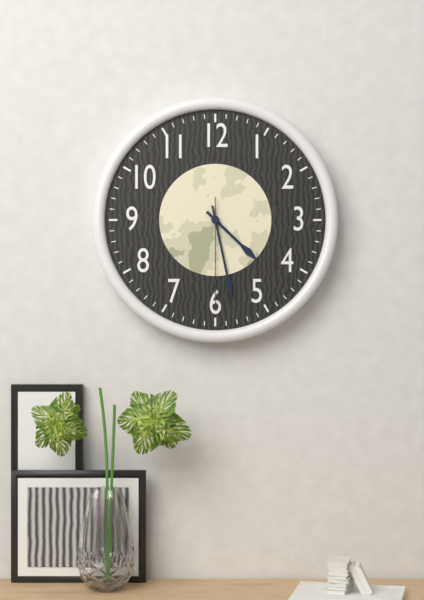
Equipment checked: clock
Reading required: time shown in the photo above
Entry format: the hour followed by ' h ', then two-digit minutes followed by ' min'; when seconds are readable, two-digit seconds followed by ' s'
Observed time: 4 h 28 min 30 s
